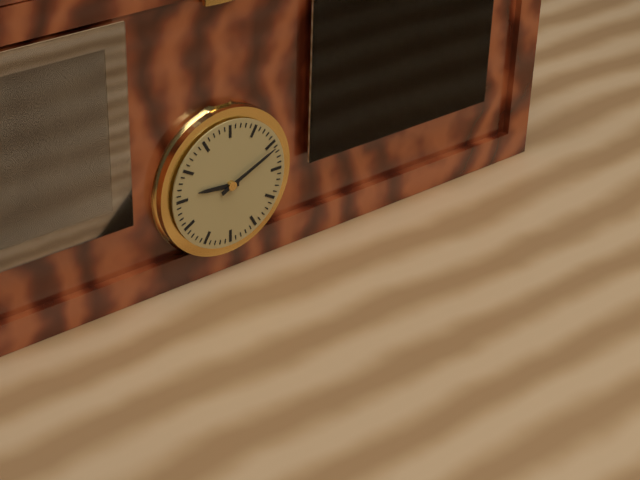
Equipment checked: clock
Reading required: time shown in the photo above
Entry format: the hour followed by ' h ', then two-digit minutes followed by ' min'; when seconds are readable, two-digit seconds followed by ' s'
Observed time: 9 h 11 min
